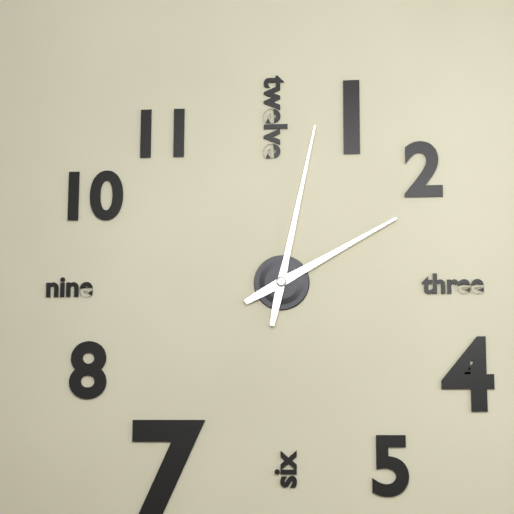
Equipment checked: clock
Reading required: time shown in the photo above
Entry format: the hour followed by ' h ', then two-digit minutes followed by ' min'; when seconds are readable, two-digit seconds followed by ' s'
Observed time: 2 h 02 min
